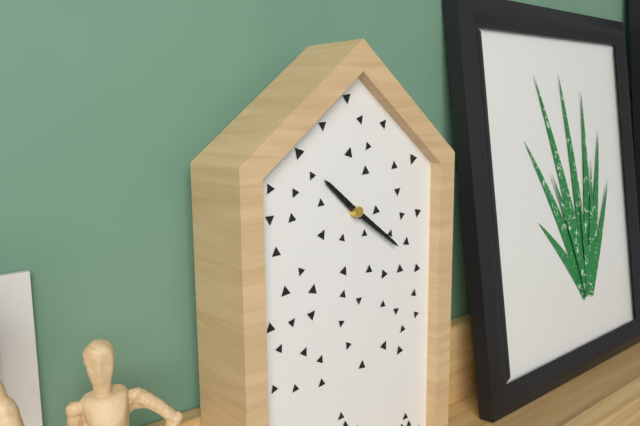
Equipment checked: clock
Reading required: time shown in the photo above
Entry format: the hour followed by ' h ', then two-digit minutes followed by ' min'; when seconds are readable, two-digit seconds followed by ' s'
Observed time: 10 h 21 min
